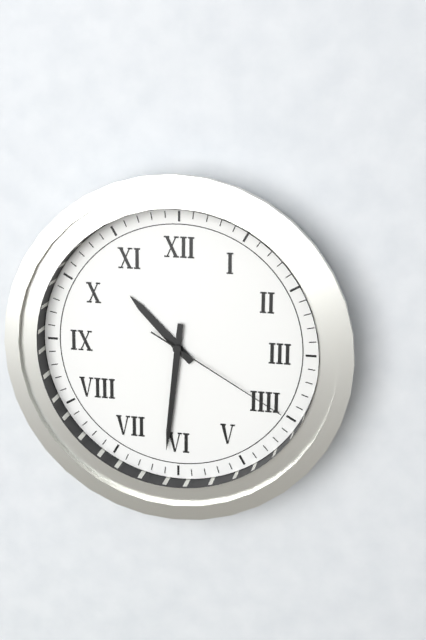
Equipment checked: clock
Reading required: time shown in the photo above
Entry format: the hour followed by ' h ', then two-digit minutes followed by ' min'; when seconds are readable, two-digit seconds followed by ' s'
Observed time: 10 h 31 min 20 s
